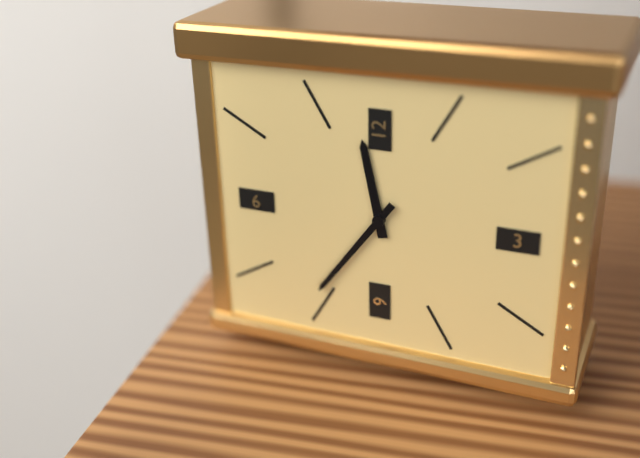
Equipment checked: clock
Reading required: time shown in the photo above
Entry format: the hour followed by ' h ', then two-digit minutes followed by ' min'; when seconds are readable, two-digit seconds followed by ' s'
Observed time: 11 h 36 min
